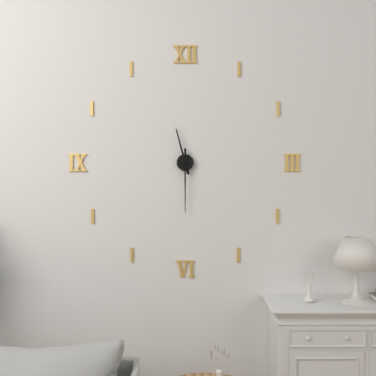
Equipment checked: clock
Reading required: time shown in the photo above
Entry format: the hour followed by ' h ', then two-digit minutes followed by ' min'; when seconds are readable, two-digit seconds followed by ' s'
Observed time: 11 h 30 min
